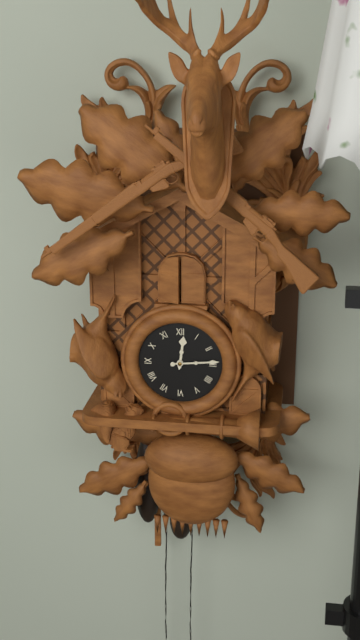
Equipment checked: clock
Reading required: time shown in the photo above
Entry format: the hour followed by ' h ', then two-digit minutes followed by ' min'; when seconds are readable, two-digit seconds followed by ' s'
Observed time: 12 h 14 min
